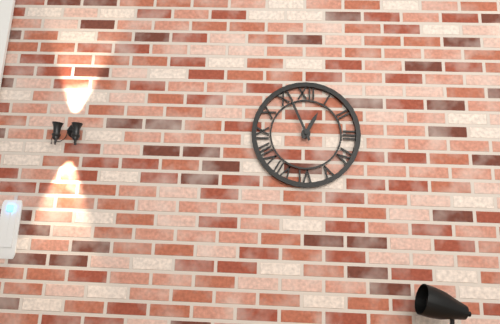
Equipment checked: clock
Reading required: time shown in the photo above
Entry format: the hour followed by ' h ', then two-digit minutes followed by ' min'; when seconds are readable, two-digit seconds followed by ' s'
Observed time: 12 h 56 min
